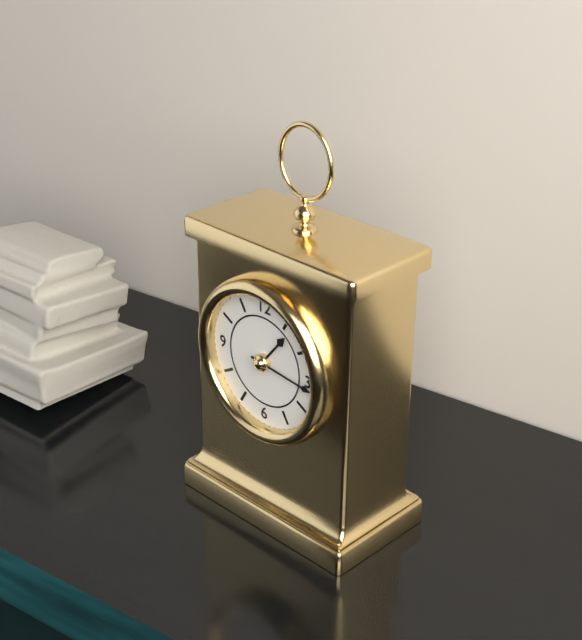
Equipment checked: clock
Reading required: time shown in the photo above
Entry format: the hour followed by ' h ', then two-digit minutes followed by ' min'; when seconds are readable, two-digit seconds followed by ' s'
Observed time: 1 h 16 min
